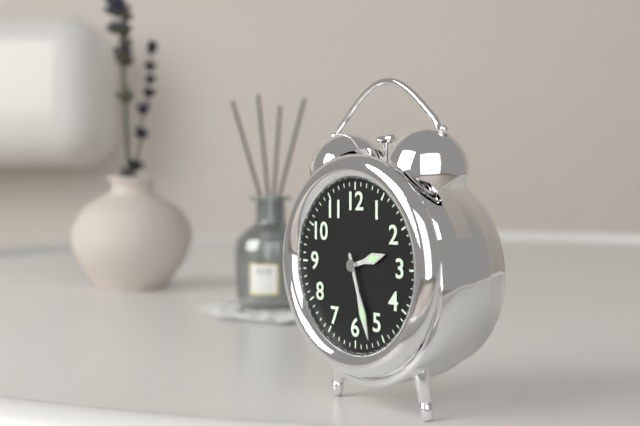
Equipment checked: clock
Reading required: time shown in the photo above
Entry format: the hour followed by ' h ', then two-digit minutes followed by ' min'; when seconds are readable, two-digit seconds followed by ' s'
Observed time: 2 h 27 min
